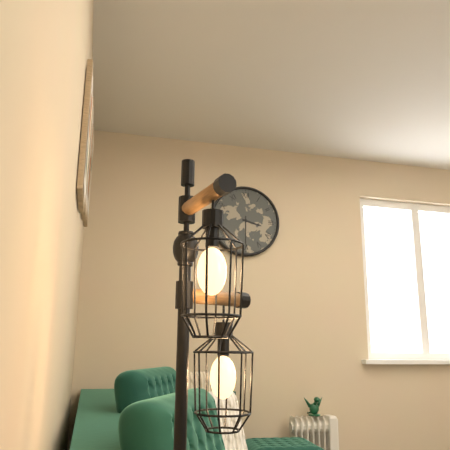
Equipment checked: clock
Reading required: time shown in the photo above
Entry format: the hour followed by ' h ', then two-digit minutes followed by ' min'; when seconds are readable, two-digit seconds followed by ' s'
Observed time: 3 h 30 min
